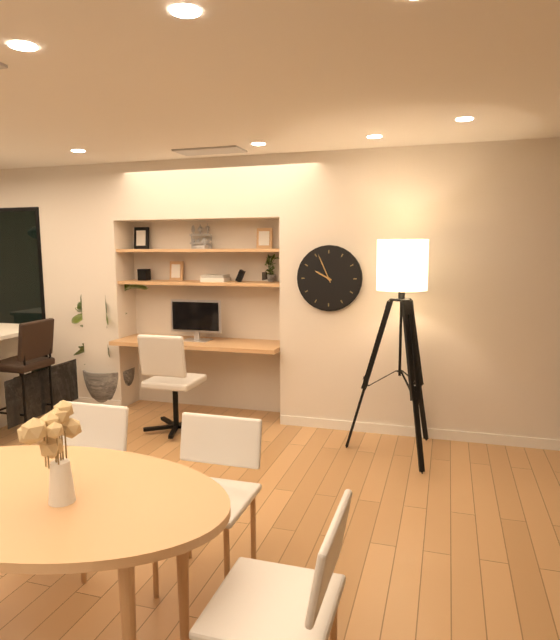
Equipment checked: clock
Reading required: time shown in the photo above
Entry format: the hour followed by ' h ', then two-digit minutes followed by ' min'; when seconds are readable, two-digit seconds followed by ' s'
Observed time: 9 h 56 min
